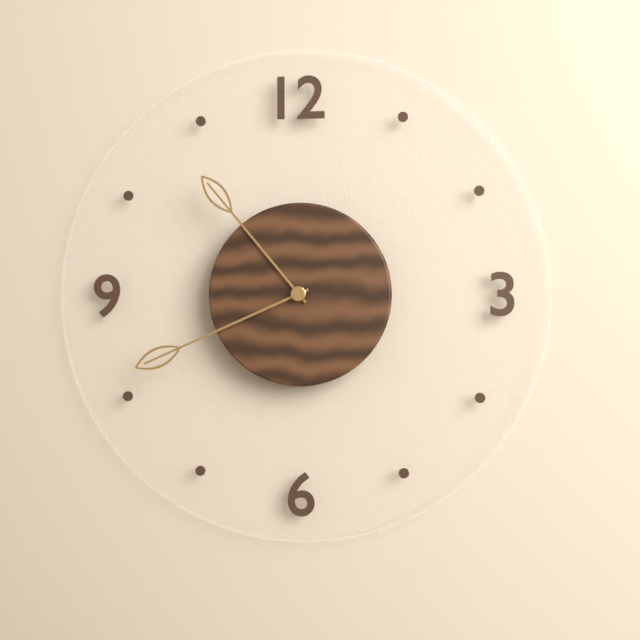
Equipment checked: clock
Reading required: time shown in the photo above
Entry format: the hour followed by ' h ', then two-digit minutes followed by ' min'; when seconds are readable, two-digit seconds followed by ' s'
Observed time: 10 h 41 min
